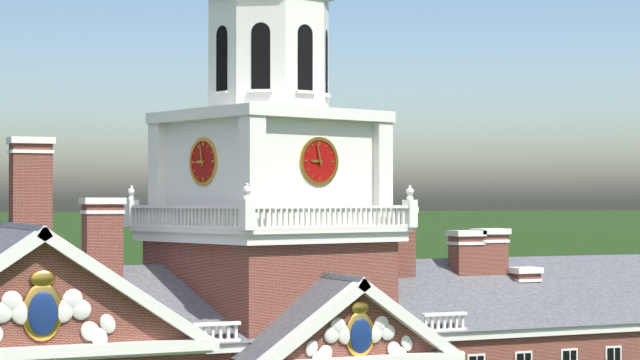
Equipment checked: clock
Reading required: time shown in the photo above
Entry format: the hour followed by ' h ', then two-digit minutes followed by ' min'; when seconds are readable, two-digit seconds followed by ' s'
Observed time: 8 h 58 min
